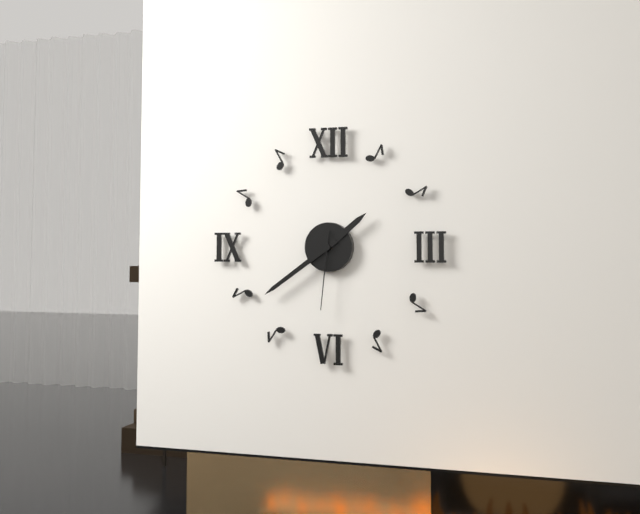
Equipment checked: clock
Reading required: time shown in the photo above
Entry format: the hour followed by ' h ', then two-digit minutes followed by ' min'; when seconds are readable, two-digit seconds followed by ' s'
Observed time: 1 h 39 min 31 s
